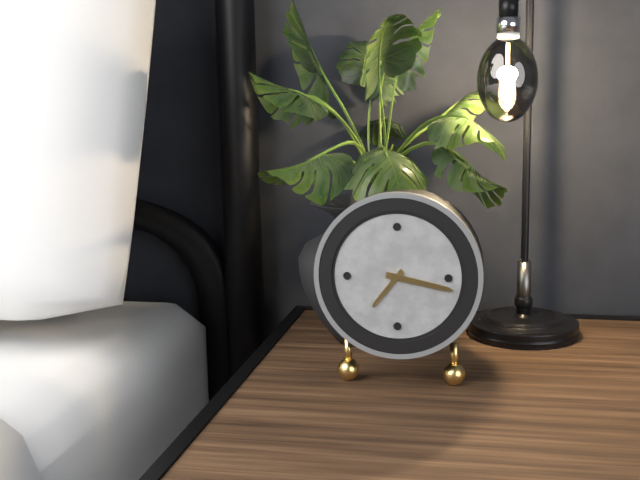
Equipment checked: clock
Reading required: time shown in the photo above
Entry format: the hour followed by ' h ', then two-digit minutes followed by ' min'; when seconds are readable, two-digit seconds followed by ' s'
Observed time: 7 h 17 min
